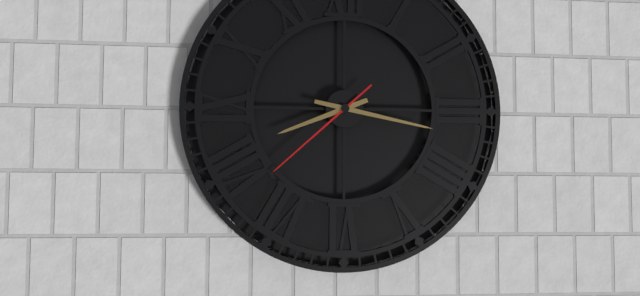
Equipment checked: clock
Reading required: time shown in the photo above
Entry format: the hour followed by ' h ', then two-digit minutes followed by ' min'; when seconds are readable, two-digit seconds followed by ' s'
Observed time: 8 h 17 min 38 s
